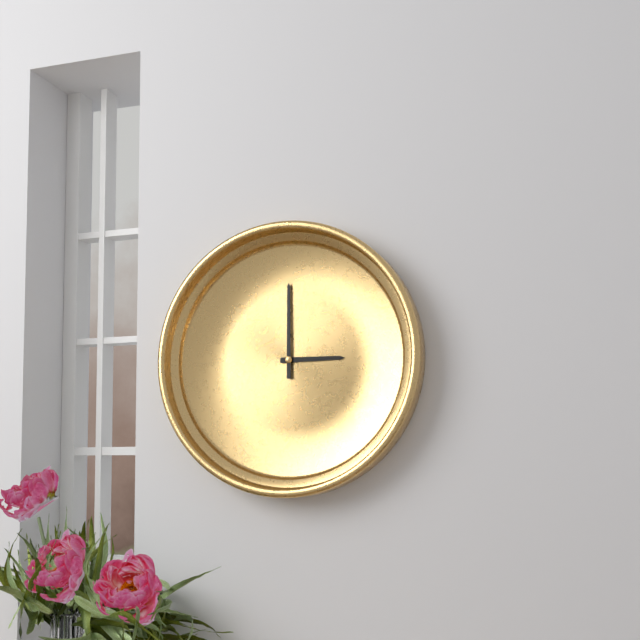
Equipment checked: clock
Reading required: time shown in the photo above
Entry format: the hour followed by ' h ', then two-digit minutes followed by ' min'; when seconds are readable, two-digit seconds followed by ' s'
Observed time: 3 h 00 min
